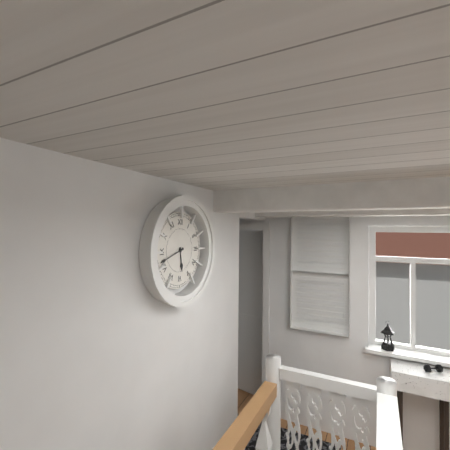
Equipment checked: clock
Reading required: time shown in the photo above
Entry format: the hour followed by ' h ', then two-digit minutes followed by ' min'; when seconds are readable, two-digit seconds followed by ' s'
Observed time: 5 h 42 min
